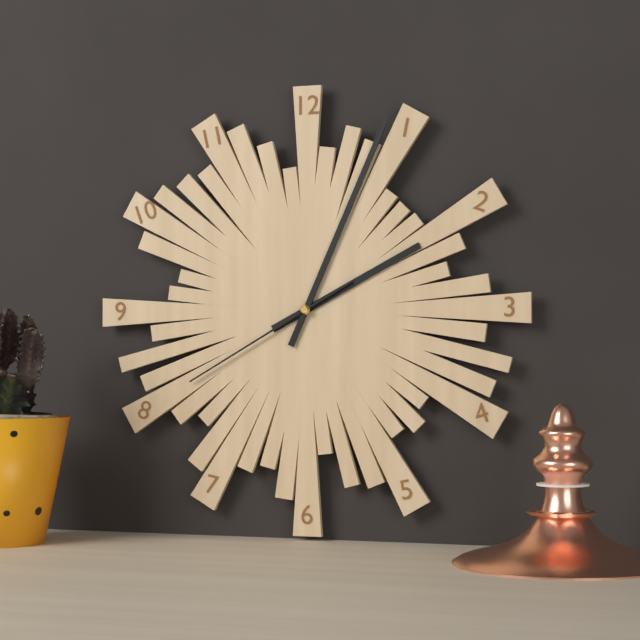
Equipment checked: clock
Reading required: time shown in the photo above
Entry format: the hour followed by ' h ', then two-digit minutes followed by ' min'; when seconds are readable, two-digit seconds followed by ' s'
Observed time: 2 h 04 min 40 s
